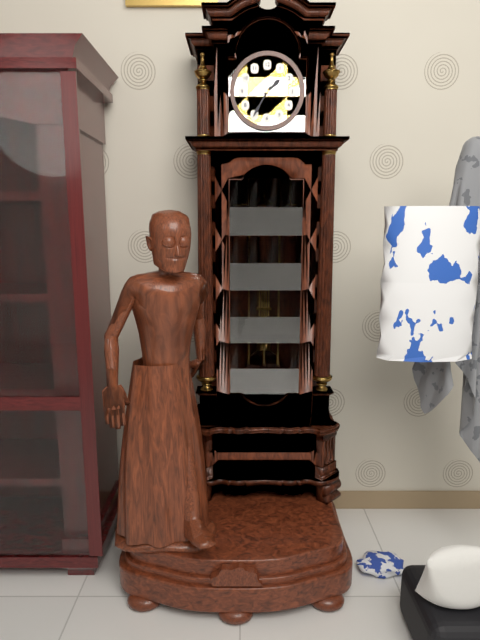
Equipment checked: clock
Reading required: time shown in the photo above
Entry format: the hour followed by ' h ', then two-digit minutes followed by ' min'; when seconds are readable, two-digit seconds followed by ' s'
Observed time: 1 h 35 min
